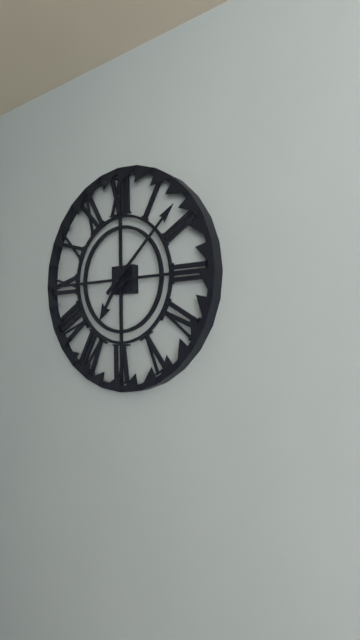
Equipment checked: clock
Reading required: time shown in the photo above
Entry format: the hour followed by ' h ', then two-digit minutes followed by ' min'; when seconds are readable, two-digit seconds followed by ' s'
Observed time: 7 h 08 min
